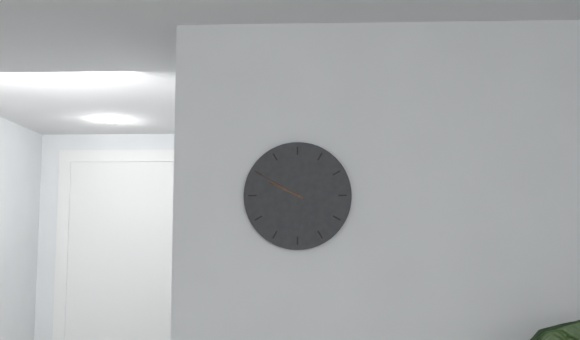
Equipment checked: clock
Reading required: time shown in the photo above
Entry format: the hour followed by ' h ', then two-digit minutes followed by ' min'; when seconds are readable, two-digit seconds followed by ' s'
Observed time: 9 h 50 min
